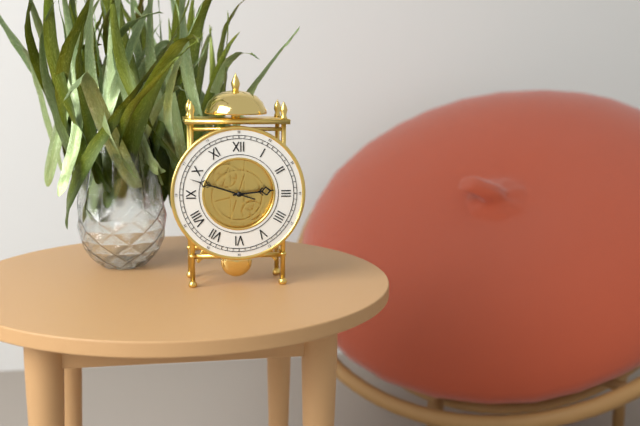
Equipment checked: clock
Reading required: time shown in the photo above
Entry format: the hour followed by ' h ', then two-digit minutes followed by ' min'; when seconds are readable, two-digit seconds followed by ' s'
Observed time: 2 h 48 min
